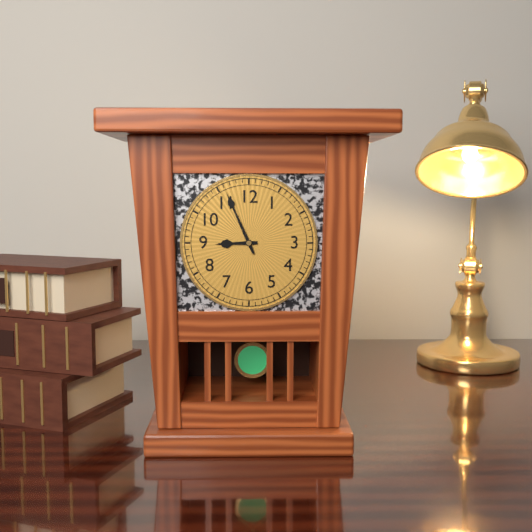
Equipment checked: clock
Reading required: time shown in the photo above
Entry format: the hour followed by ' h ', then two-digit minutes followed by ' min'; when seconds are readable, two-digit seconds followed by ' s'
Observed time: 8 h 56 min
